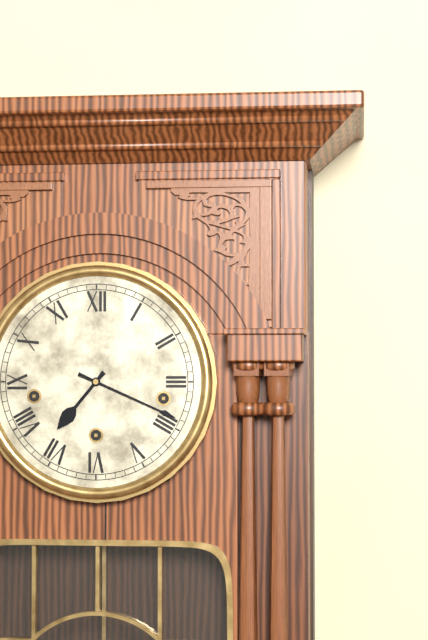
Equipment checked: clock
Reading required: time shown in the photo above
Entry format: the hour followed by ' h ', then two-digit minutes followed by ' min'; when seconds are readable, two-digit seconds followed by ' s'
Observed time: 7 h 19 min
